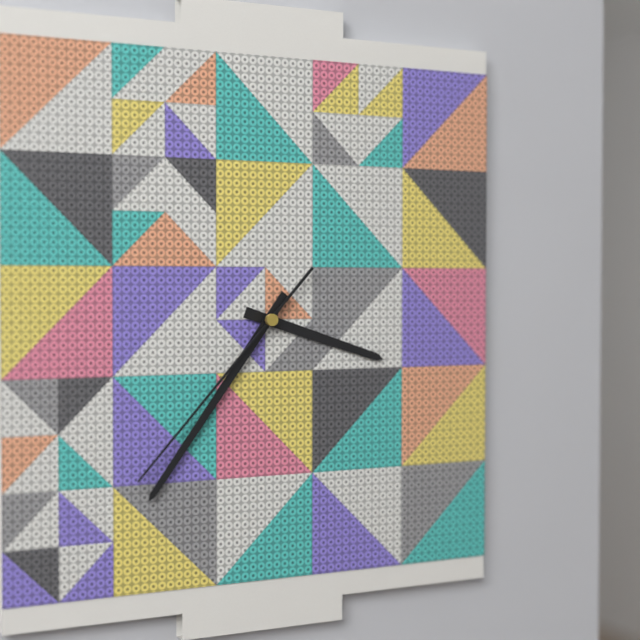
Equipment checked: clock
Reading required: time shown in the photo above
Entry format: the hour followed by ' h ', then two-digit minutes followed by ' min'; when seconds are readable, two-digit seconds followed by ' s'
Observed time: 3 h 36 min 37 s
